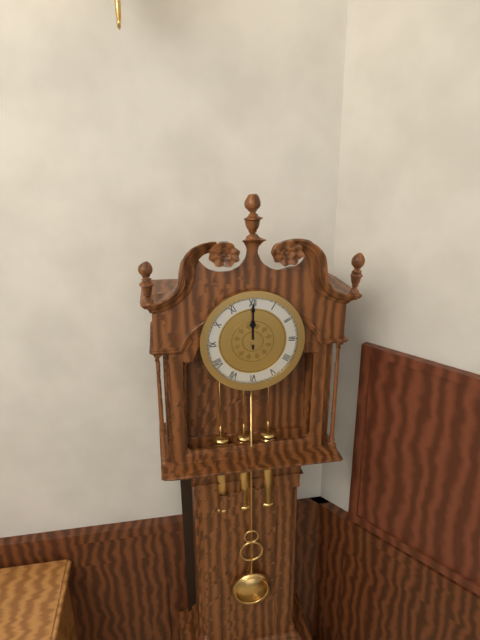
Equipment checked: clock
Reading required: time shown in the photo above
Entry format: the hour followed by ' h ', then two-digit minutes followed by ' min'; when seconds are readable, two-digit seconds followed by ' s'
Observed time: 12 h 00 min
